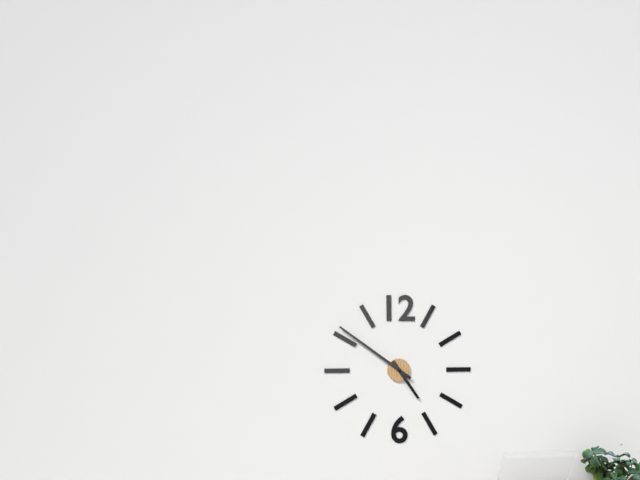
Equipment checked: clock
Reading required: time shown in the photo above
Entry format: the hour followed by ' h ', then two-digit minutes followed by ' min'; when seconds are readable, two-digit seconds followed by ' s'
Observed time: 4 h 51 min
